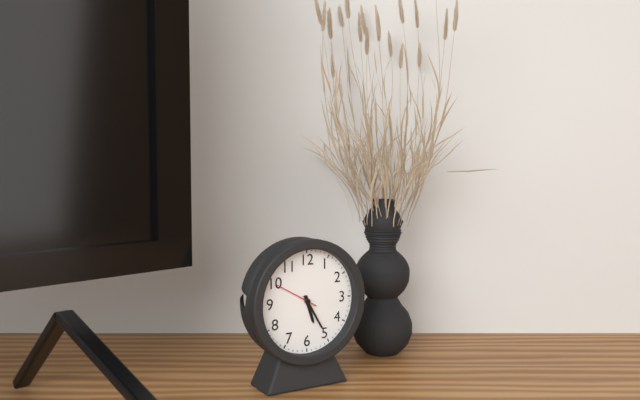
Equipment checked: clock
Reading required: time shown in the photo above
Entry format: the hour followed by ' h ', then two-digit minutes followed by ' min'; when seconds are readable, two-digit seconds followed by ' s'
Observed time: 5 h 25 min
